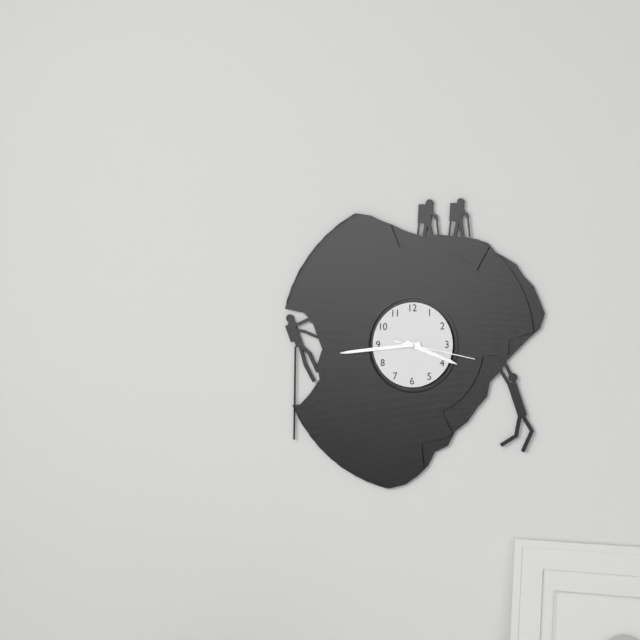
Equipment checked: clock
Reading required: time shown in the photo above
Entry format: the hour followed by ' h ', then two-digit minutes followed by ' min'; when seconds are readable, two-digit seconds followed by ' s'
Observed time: 3 h 44 min 17 s
